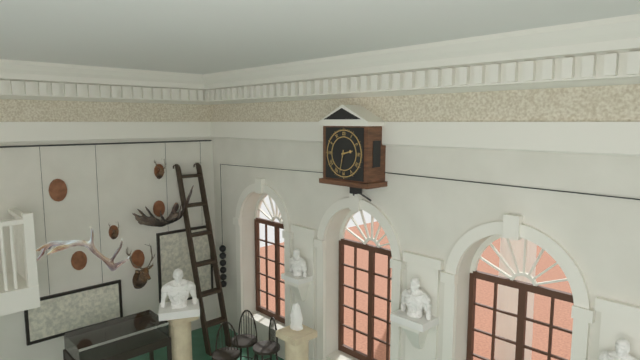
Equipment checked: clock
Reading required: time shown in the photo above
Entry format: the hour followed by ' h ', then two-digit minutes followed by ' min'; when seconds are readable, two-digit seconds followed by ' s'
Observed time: 2 h 32 min
